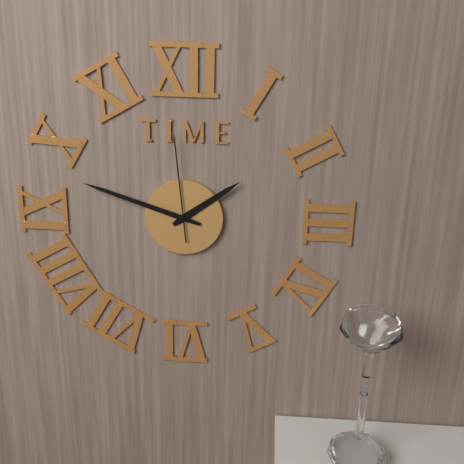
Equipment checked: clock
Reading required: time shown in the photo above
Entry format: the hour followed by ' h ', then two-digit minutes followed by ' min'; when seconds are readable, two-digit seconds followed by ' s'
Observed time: 1 h 48 min 59 s
